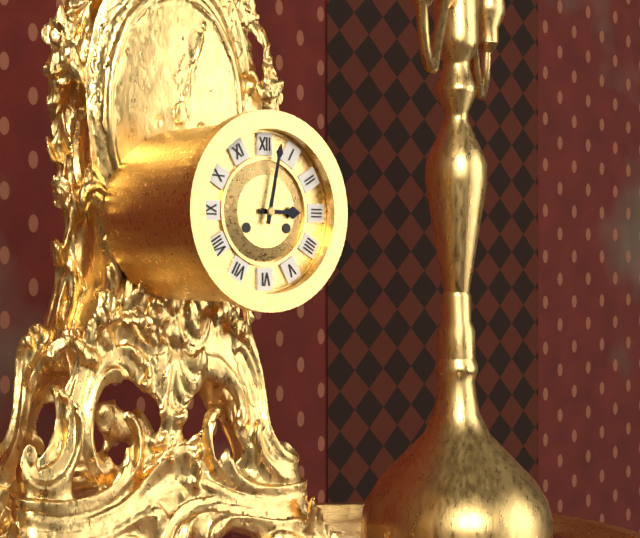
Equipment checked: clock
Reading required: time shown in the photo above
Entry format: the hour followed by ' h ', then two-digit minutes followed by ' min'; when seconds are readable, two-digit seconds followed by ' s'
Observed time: 3 h 02 min
